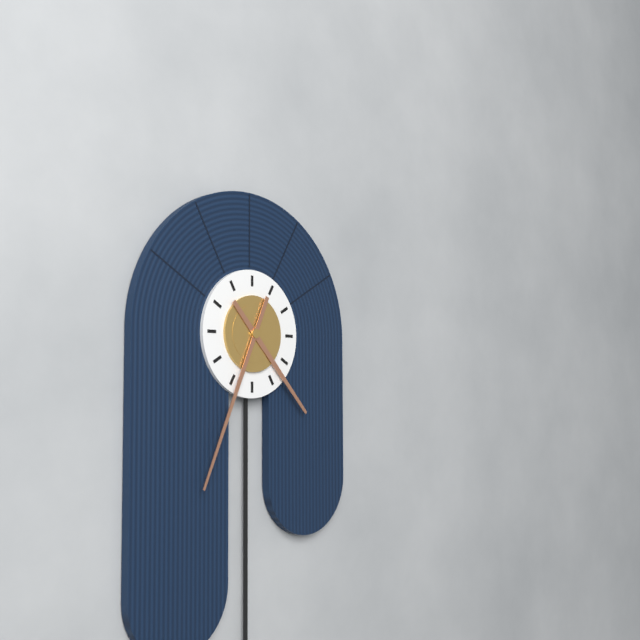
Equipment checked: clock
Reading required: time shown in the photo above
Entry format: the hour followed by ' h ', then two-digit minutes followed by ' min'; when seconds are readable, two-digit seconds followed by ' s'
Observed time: 4 h 34 min
